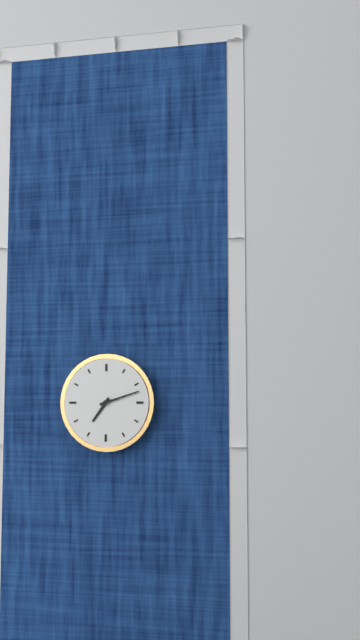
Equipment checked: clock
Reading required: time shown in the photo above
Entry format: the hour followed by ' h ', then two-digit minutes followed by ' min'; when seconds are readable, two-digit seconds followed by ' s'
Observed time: 7 h 12 min
